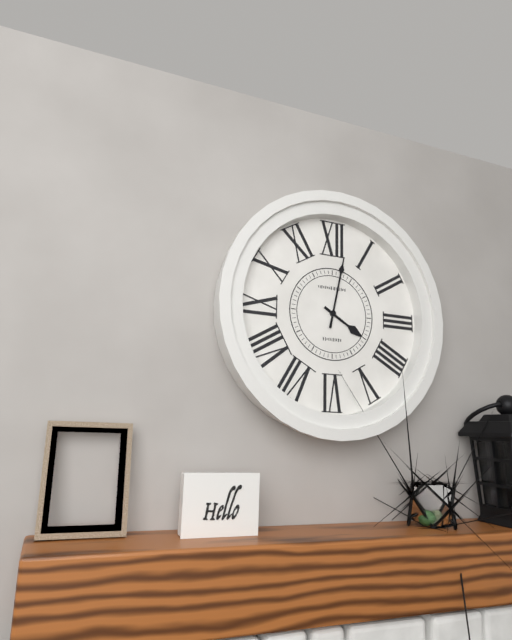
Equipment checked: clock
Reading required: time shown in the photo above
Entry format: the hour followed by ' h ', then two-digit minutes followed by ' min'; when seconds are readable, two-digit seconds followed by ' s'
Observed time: 4 h 02 min
